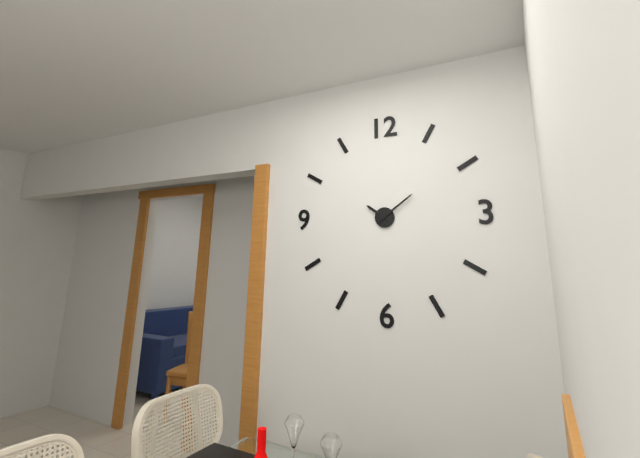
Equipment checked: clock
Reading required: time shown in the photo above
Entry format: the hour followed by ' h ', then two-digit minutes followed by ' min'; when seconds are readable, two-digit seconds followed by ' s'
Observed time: 10 h 09 min
